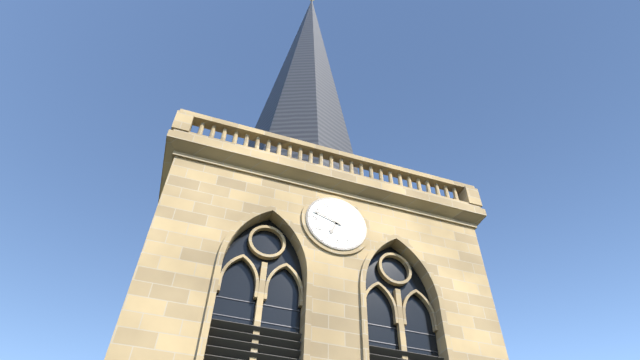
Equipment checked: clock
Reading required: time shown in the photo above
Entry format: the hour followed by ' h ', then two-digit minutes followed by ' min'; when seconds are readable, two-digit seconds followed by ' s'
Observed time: 6 h 48 min
